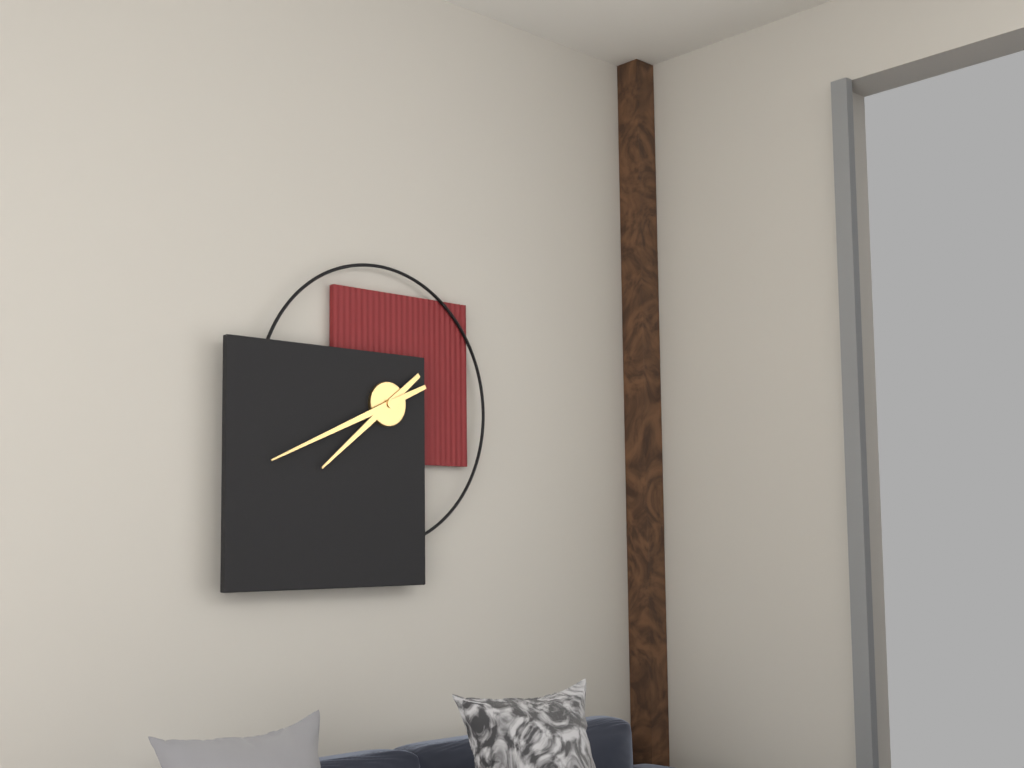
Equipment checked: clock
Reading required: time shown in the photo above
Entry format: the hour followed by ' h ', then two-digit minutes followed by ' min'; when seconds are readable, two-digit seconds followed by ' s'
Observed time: 7 h 41 min
